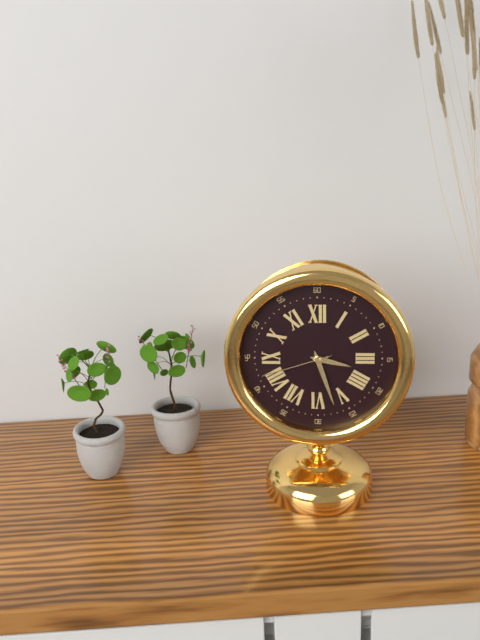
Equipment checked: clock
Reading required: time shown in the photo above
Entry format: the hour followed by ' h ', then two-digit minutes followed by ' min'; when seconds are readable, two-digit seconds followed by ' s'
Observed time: 3 h 27 min 42 s
